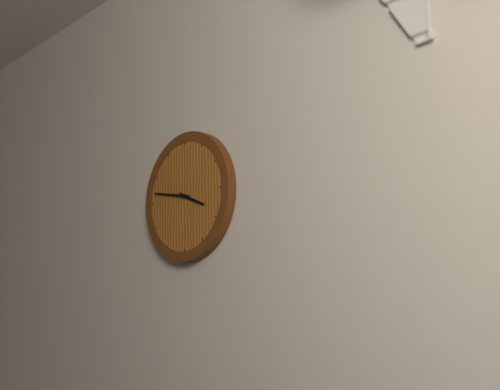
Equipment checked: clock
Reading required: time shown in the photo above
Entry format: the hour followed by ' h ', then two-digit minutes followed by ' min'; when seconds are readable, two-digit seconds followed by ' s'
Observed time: 3 h 47 min
